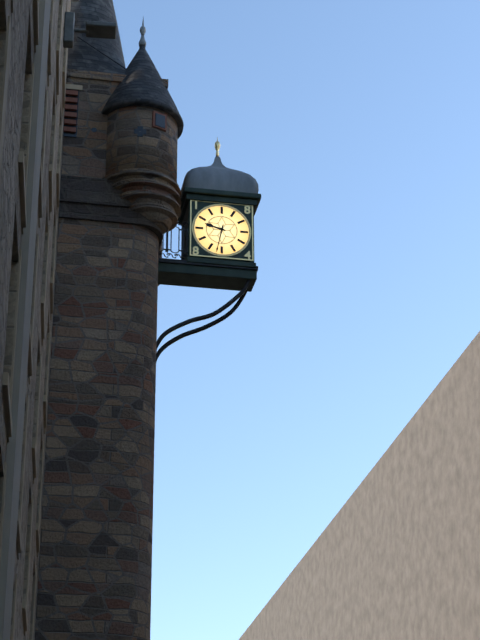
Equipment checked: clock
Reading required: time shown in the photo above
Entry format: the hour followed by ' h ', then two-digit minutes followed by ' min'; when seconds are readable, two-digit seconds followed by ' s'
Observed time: 9 h 32 min
